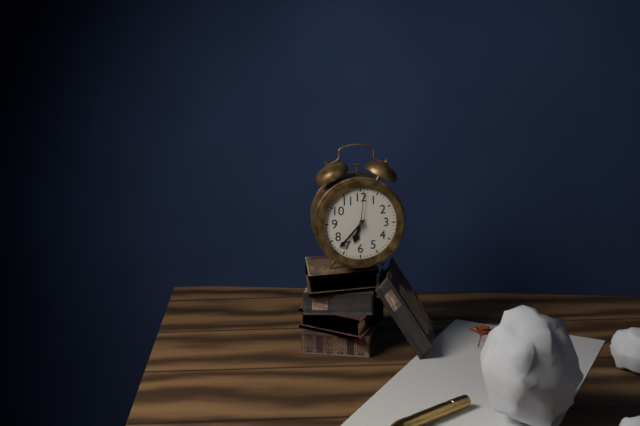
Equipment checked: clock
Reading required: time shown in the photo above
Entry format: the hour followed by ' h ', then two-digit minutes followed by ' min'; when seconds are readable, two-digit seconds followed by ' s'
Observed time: 6 h 37 min
